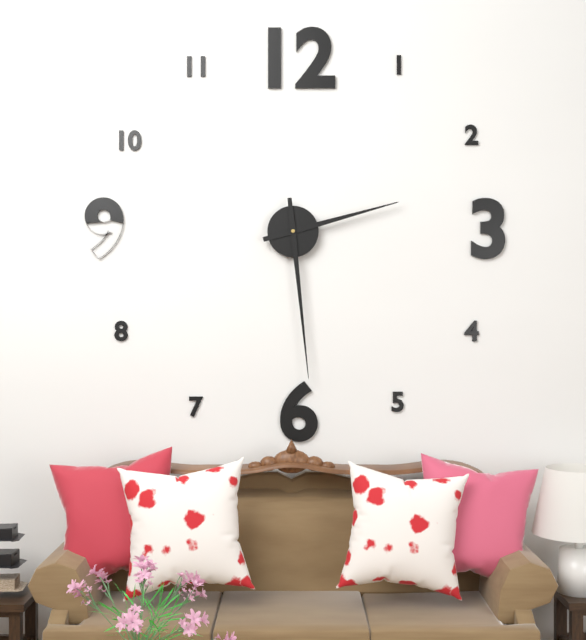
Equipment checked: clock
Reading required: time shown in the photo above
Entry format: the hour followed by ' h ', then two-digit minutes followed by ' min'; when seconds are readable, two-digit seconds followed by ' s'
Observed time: 2 h 29 min
